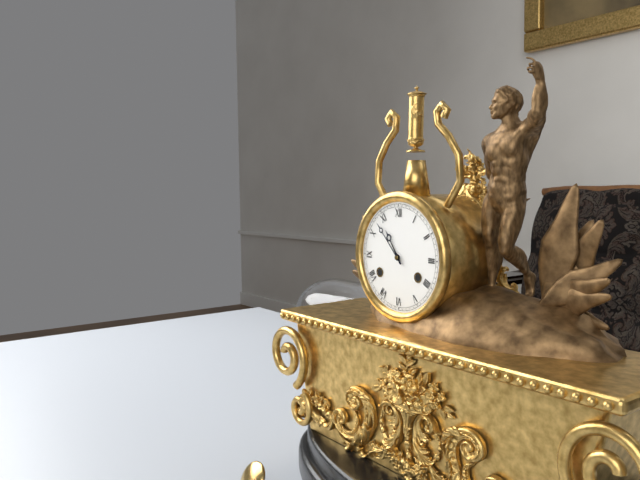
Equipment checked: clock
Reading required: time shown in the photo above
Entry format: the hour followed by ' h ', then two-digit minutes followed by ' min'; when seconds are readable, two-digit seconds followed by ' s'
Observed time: 10 h 53 min
